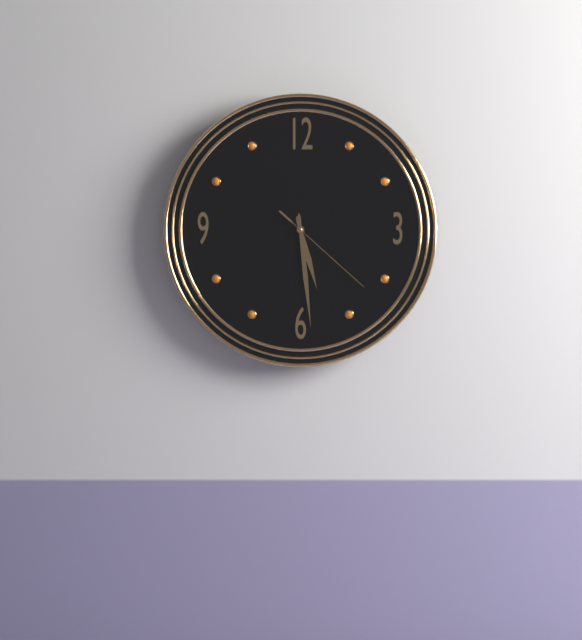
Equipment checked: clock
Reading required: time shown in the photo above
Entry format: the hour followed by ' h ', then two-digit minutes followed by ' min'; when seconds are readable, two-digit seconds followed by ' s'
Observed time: 5 h 29 min 22 s
